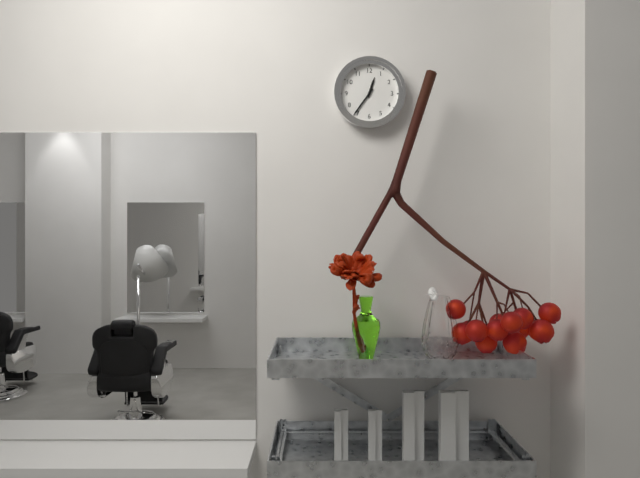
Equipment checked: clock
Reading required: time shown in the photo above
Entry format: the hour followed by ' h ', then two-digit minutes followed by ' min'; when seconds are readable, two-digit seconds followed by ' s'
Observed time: 12 h 36 min
